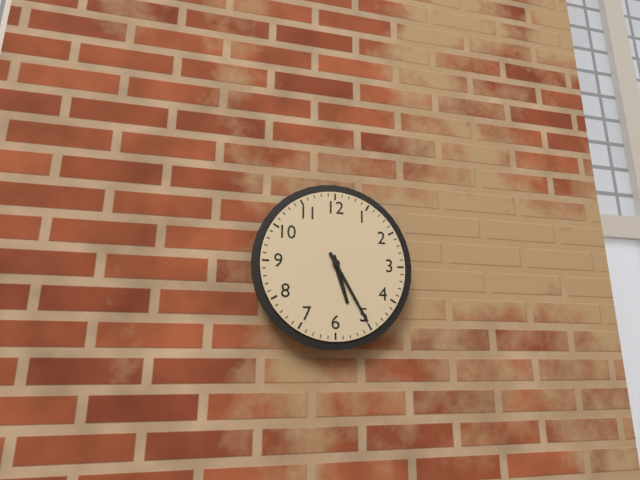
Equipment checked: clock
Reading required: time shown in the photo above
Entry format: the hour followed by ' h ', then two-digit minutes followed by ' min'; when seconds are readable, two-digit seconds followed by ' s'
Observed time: 5 h 25 min
